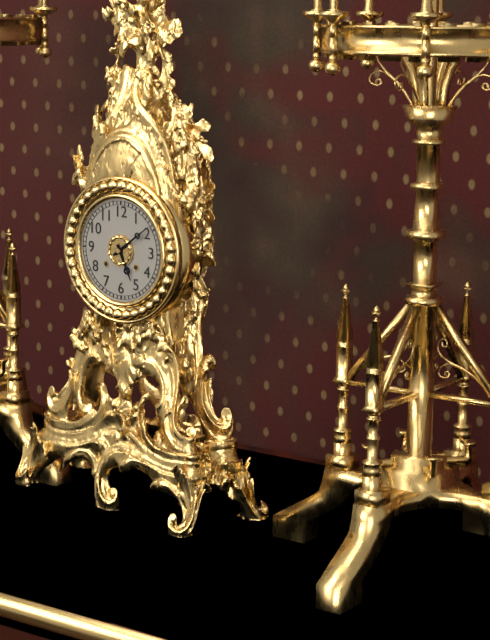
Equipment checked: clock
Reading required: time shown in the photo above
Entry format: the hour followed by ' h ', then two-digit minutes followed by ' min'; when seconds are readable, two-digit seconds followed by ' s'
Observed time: 5 h 09 min
